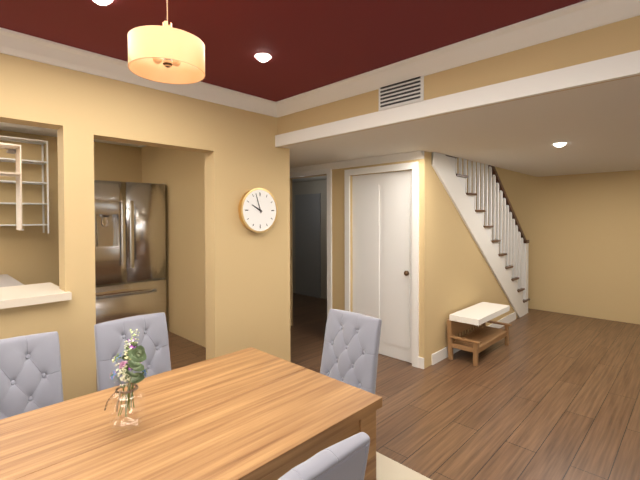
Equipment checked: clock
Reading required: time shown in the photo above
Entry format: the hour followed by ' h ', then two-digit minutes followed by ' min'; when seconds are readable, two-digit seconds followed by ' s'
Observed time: 9 h 57 min
